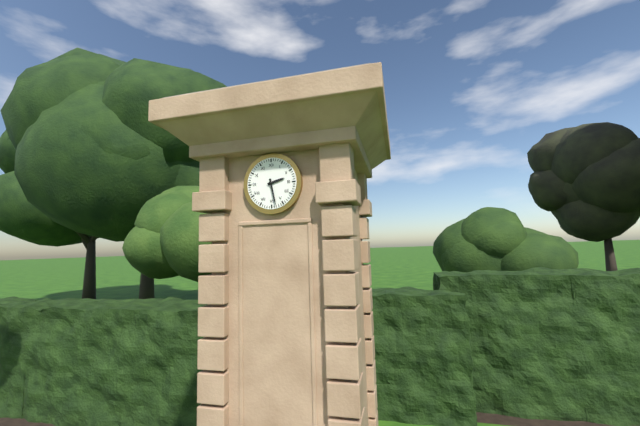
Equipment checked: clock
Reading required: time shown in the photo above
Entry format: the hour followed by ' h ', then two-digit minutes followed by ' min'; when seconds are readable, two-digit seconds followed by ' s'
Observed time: 2 h 28 min
